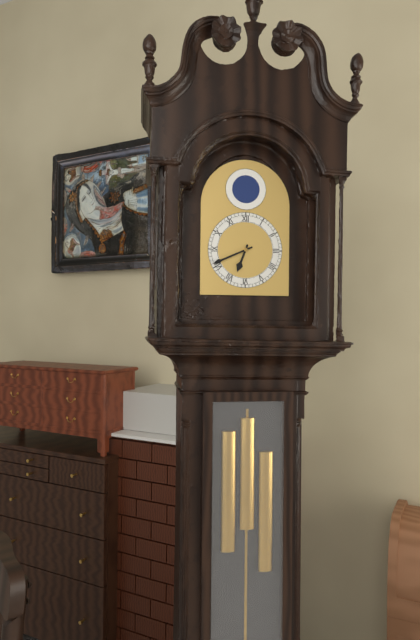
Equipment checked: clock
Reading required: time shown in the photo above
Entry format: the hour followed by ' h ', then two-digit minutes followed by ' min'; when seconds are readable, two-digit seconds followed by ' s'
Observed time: 6 h 41 min
